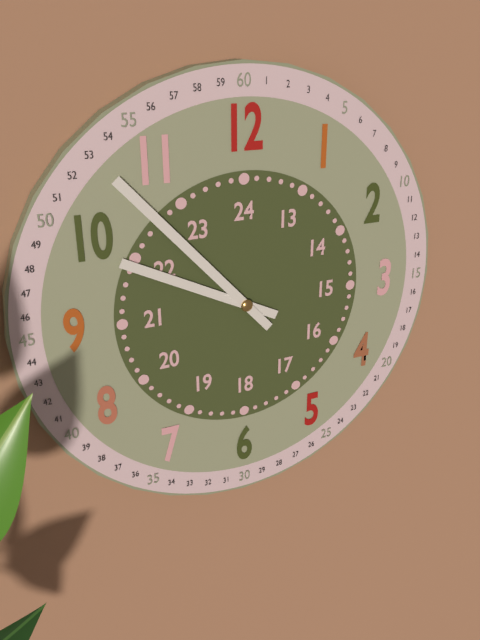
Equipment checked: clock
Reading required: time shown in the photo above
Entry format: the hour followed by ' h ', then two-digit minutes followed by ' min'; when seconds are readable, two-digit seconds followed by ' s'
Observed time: 9 h 53 min
